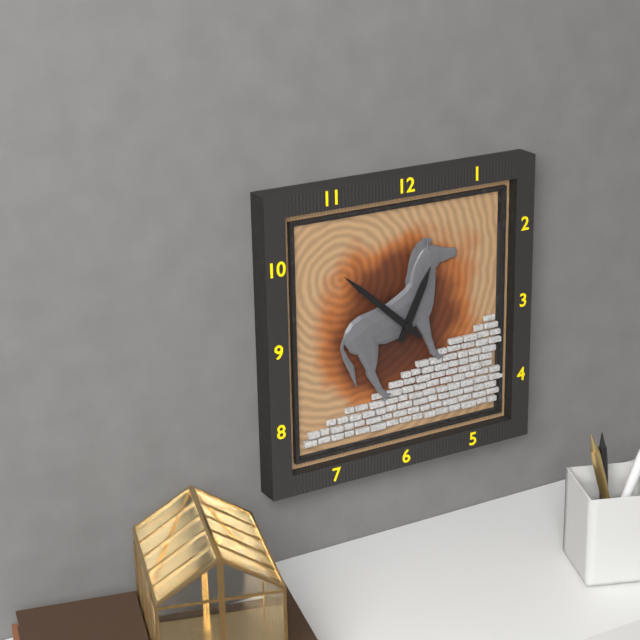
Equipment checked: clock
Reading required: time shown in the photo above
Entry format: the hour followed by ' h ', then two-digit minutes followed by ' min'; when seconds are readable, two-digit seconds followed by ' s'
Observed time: 12 h 52 min
